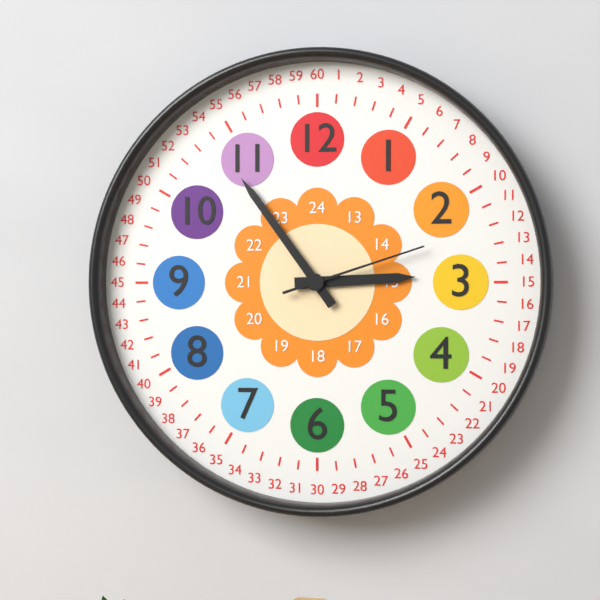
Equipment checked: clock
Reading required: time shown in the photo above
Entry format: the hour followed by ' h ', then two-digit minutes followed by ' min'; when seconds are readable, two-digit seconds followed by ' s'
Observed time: 2 h 54 min 12 s
